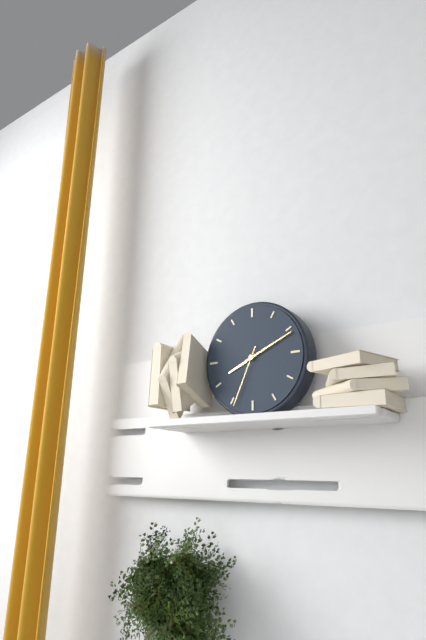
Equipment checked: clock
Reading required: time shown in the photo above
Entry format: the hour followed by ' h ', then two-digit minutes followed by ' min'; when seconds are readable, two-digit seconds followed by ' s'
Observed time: 8 h 11 min 34 s
